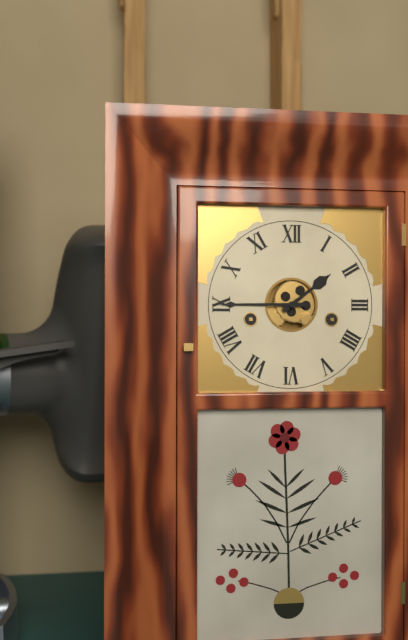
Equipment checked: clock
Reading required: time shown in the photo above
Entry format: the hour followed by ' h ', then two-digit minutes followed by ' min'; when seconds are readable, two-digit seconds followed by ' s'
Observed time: 1 h 45 min
